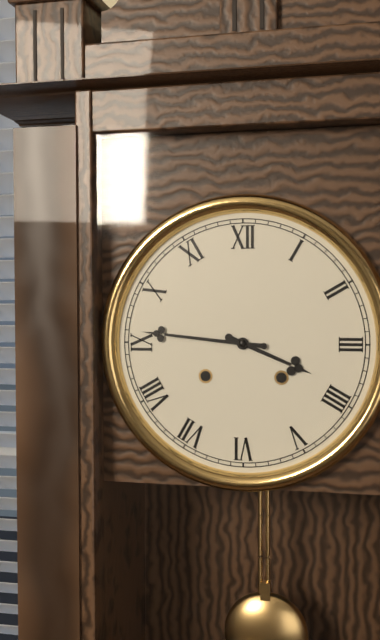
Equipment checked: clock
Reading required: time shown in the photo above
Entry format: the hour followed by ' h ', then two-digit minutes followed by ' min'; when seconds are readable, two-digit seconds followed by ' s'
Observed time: 3 h 46 min
